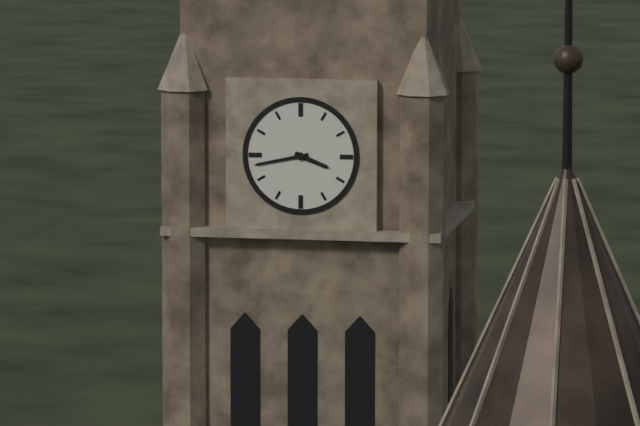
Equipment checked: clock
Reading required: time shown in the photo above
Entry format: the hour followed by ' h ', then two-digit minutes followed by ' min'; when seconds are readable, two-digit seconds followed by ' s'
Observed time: 3 h 43 min
